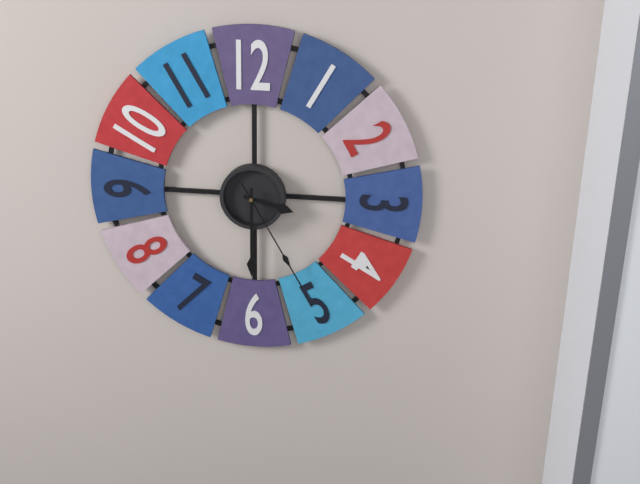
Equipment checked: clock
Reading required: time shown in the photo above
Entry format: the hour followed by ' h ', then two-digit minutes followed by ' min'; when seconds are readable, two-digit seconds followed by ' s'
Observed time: 3 h 30 min 25 s
